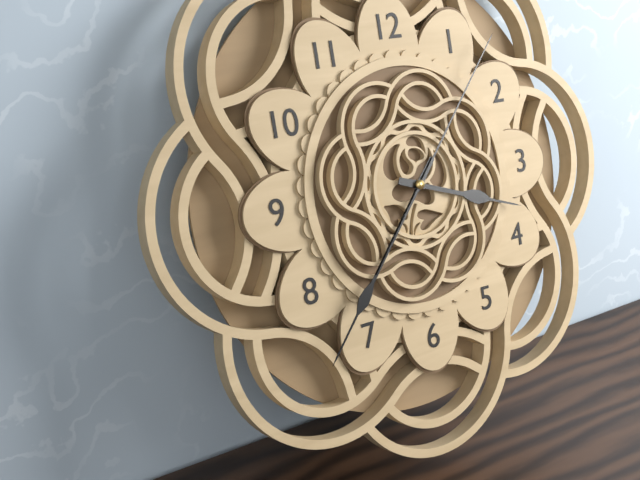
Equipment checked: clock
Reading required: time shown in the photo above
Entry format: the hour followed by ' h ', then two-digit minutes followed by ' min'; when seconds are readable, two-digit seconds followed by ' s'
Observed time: 3 h 37 min 07 s
